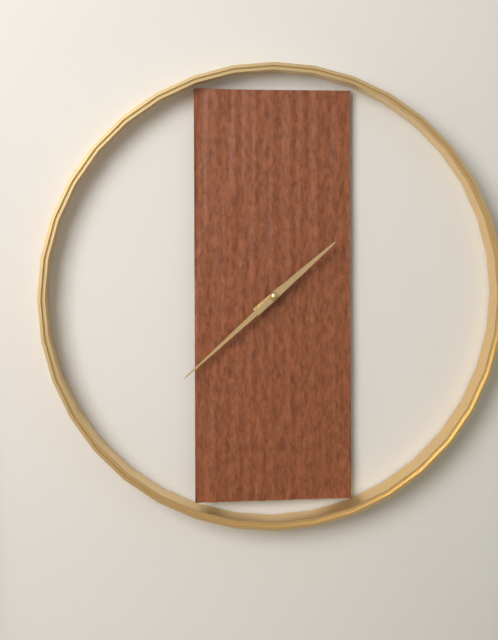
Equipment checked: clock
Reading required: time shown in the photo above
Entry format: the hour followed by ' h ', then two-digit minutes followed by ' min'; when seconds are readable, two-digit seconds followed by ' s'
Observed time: 1 h 38 min
